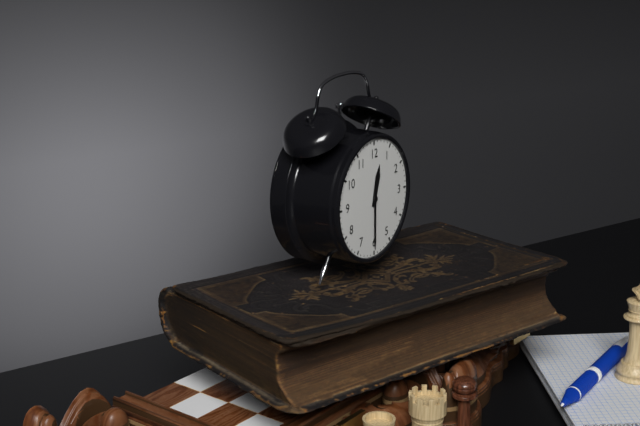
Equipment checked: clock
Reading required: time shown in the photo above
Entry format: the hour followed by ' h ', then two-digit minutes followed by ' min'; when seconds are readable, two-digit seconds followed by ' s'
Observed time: 12 h 30 min
